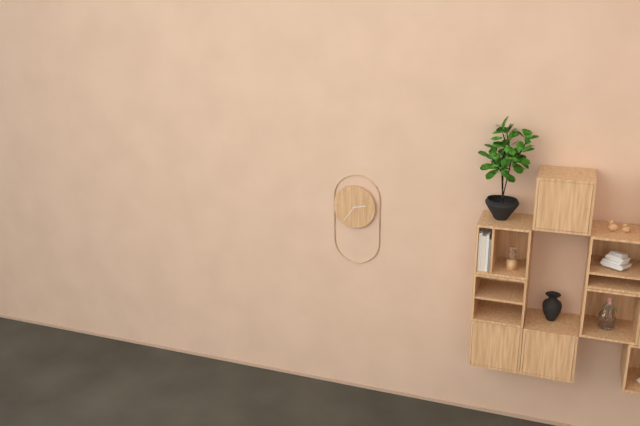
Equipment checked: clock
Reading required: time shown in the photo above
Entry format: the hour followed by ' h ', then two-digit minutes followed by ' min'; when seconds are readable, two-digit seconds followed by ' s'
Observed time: 2 h 36 min
